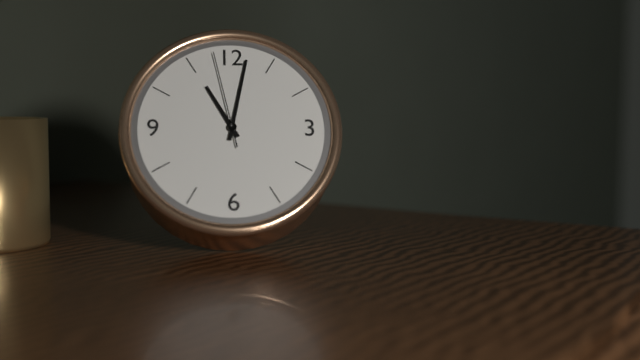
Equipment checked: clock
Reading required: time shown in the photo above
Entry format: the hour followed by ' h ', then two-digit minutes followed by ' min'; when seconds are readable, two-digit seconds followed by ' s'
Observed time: 11 h 02 min 58 s
